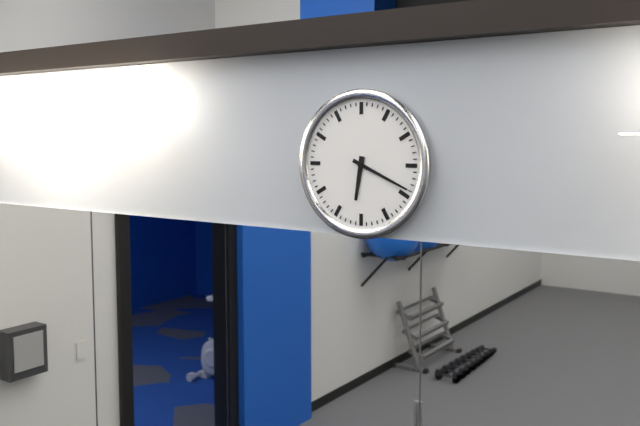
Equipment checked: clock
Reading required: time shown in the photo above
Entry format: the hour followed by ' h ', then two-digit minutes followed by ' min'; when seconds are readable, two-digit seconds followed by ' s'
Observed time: 6 h 19 min
